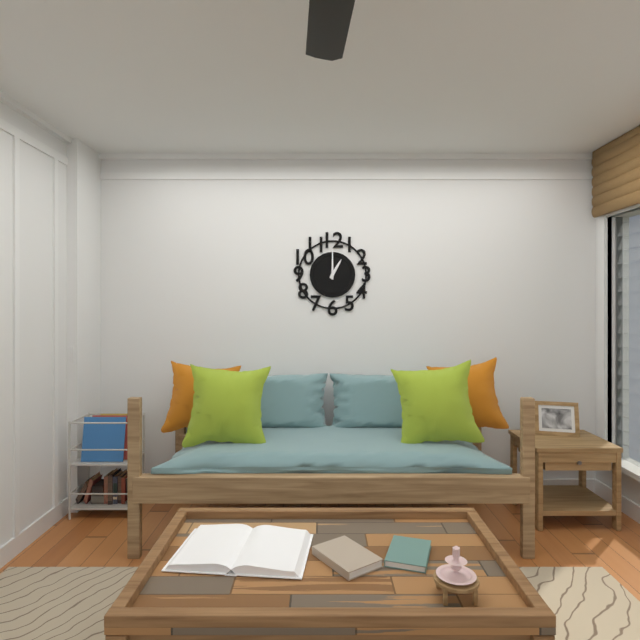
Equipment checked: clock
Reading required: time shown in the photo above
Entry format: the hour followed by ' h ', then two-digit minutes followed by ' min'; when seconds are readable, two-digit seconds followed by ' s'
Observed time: 1 h 00 min
